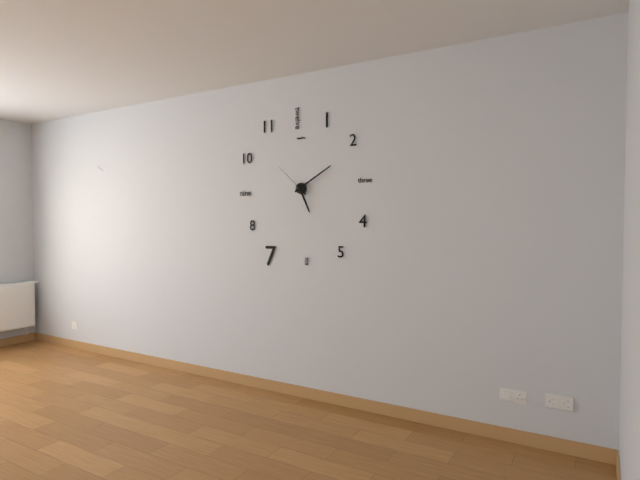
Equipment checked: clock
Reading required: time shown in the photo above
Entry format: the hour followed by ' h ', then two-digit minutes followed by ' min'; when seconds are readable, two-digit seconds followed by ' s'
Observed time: 5 h 10 min
